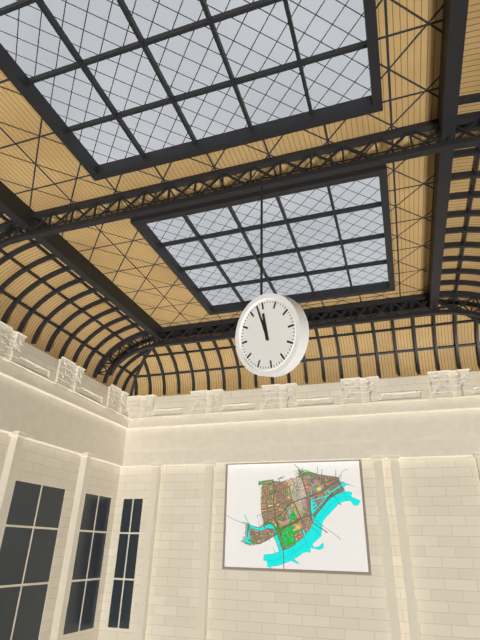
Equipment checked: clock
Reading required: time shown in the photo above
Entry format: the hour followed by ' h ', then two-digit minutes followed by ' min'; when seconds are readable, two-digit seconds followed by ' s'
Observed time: 11 h 58 min
